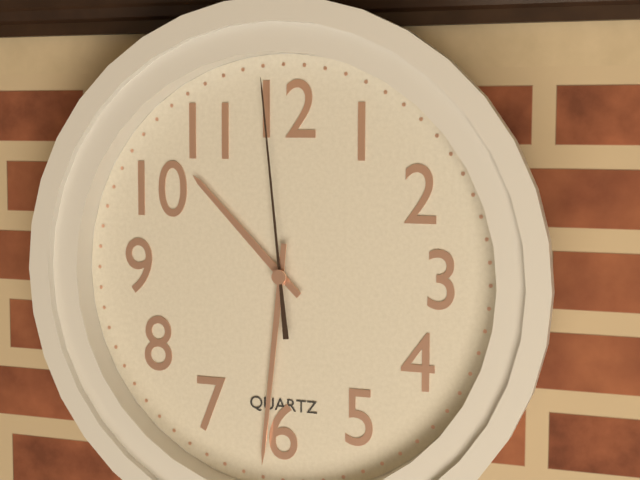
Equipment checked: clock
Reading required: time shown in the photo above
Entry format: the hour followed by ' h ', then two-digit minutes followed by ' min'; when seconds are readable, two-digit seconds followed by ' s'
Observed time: 10 h 31 min 59 s
